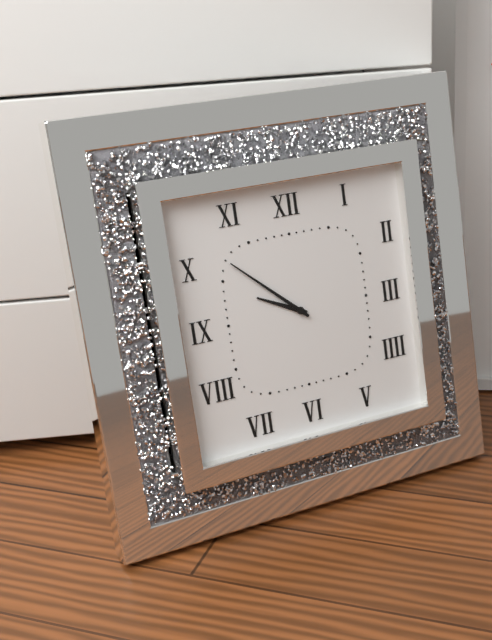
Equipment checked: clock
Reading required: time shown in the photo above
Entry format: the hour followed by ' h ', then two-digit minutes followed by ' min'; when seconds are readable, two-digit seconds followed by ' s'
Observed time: 9 h 52 min
